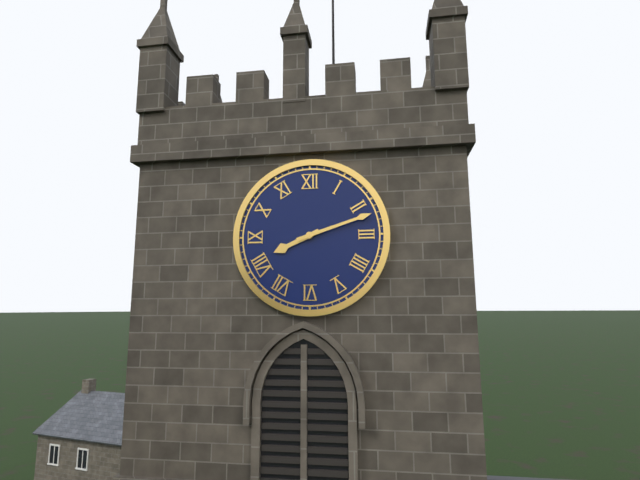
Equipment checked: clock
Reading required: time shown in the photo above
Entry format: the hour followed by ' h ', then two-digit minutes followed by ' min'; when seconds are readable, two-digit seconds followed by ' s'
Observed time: 8 h 12 min
